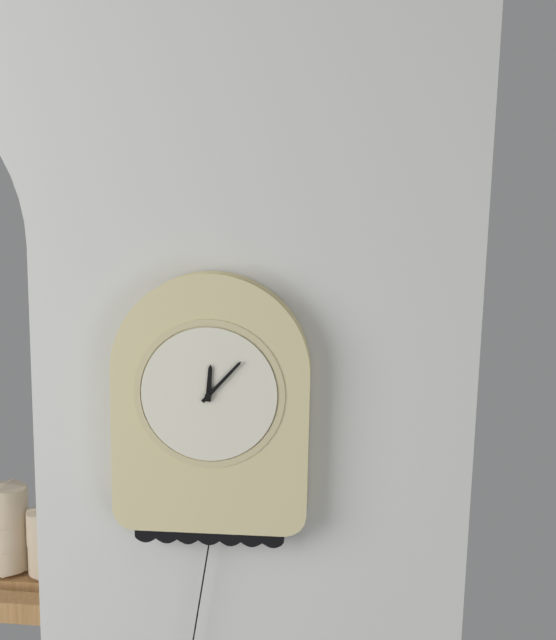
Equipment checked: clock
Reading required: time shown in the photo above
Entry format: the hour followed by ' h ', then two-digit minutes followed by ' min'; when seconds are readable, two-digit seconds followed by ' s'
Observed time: 12 h 07 min
